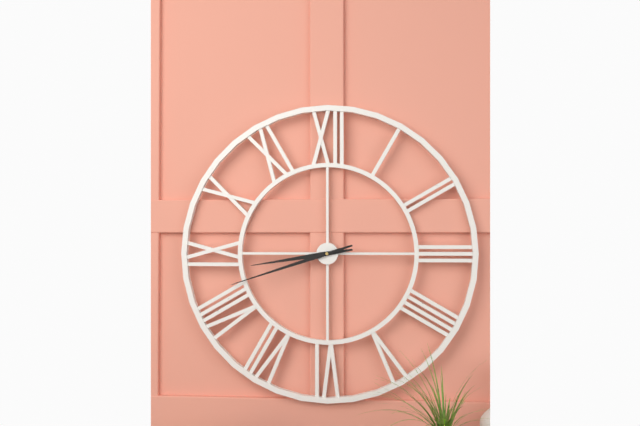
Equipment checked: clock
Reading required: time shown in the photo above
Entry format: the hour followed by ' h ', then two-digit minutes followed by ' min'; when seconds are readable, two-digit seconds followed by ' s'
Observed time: 8 h 42 min
